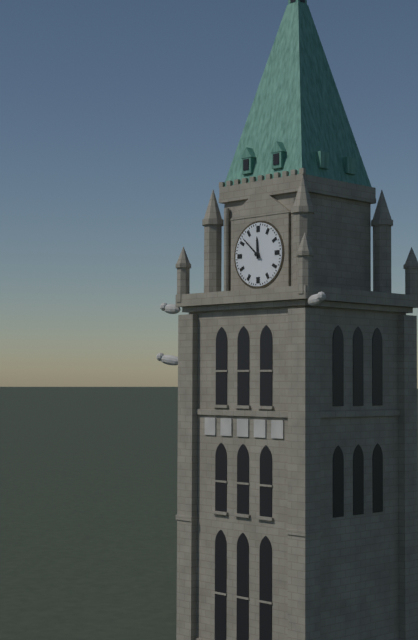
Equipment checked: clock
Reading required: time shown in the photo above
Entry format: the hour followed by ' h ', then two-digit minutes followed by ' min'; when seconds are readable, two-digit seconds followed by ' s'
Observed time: 11 h 52 min
